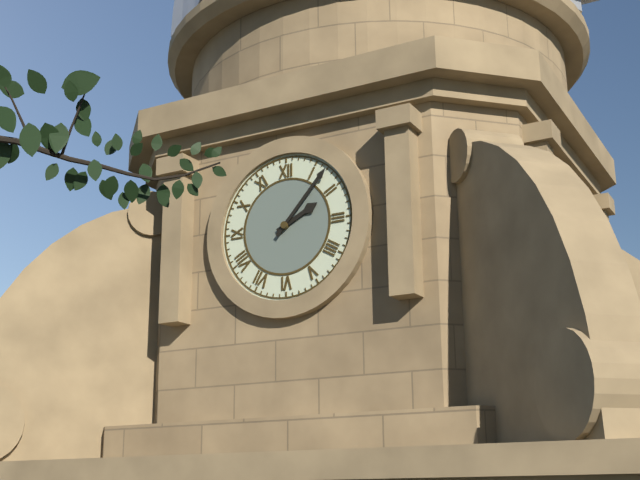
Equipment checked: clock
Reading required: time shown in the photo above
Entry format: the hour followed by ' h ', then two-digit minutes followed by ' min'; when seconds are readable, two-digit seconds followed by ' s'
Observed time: 2 h 07 min
